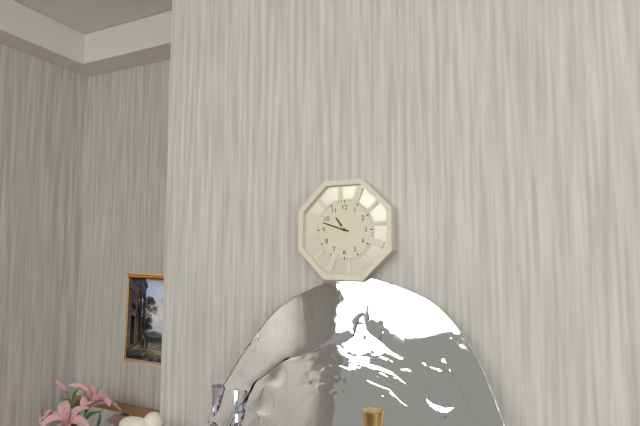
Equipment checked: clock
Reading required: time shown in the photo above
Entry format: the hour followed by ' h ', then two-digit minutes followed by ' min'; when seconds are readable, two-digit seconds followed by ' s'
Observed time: 10 h 48 min
